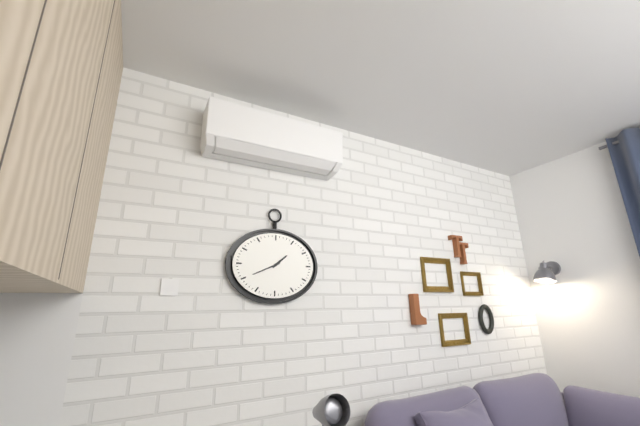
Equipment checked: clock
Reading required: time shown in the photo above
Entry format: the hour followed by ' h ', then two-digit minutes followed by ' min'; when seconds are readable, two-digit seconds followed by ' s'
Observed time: 1 h 41 min
